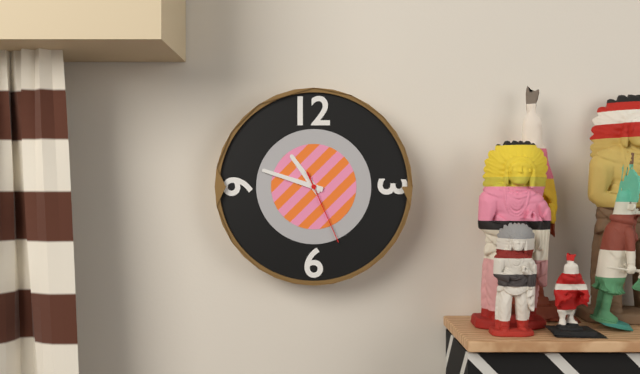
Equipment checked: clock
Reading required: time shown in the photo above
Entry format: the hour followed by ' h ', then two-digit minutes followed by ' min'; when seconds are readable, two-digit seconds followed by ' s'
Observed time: 10 h 48 min 26 s
